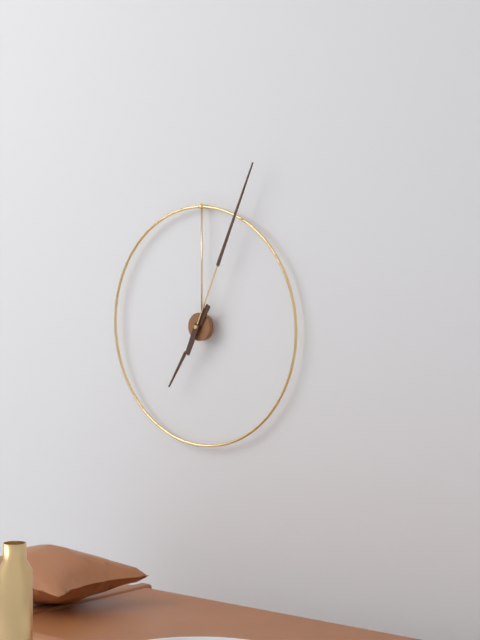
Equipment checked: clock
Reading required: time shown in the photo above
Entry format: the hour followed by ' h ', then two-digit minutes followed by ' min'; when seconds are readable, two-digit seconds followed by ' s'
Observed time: 7 h 04 min
